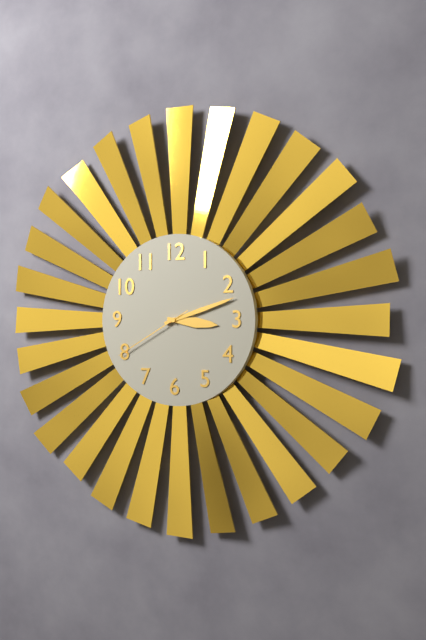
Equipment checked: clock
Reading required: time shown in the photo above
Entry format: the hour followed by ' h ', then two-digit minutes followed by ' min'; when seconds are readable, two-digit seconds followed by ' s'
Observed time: 3 h 12 min 40 s
